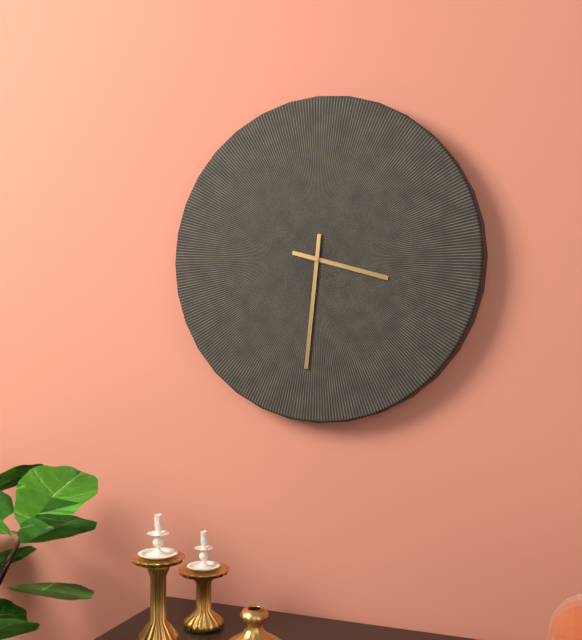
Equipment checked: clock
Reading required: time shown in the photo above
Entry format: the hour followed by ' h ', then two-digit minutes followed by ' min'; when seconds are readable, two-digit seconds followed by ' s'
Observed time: 3 h 31 min
